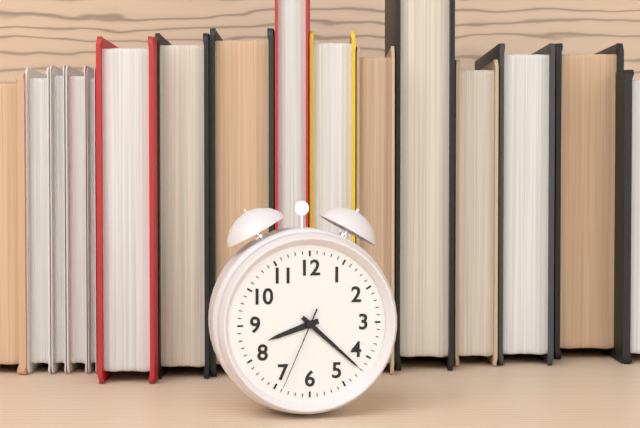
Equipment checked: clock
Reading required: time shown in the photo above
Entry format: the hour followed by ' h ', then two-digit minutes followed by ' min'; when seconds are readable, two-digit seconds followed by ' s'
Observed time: 8 h 22 min 34 s
